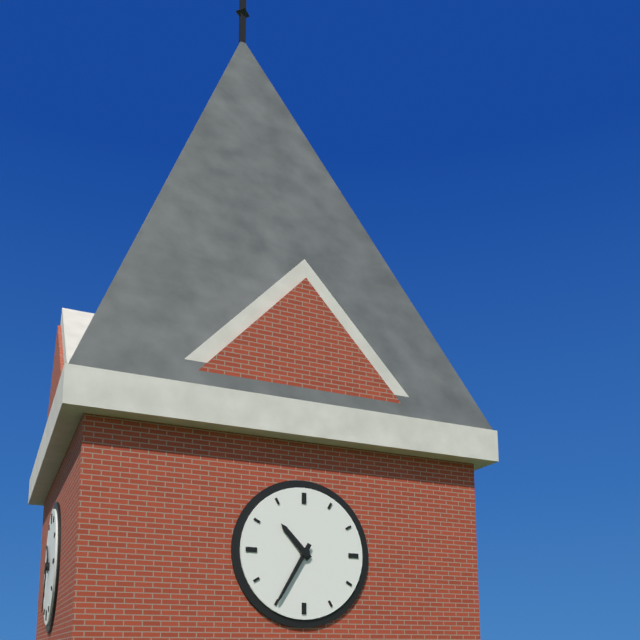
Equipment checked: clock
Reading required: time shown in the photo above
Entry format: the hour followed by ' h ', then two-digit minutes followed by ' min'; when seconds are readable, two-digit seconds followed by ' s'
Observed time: 10 h 35 min
